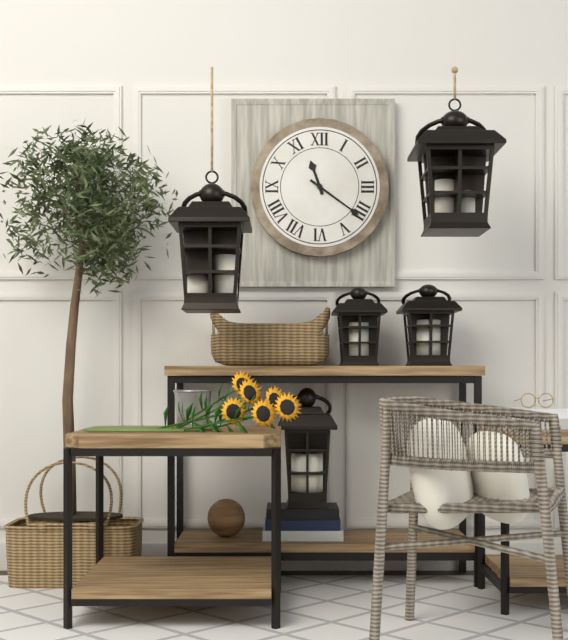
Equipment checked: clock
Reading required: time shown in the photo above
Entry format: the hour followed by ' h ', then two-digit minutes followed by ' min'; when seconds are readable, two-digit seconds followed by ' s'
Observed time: 11 h 21 min
